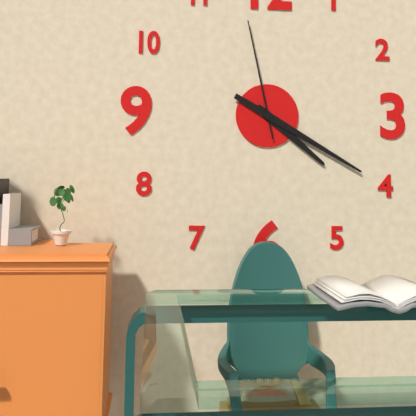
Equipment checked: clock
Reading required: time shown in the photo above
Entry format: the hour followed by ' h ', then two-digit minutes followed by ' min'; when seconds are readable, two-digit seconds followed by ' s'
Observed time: 4 h 20 min 58 s
